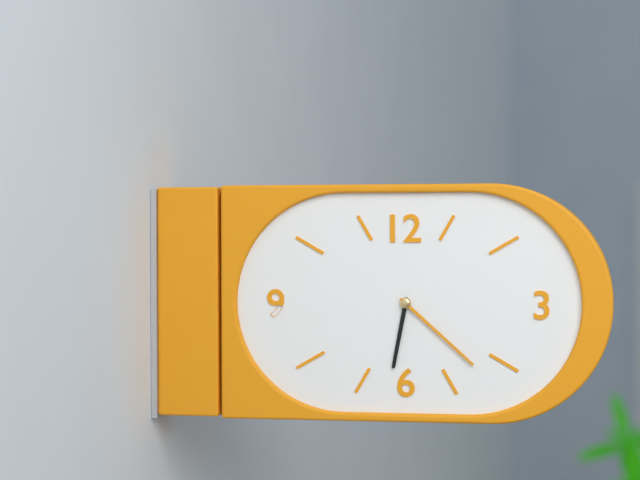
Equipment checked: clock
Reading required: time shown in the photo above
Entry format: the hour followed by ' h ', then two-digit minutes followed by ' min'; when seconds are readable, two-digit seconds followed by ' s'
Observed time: 6 h 22 min
